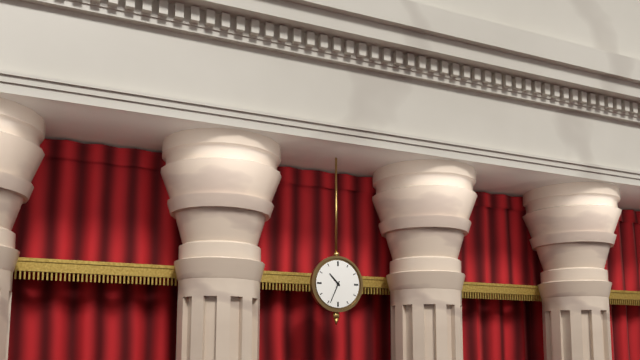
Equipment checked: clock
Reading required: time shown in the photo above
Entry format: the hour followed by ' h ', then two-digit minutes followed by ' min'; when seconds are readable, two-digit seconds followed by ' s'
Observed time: 10 h 34 min
